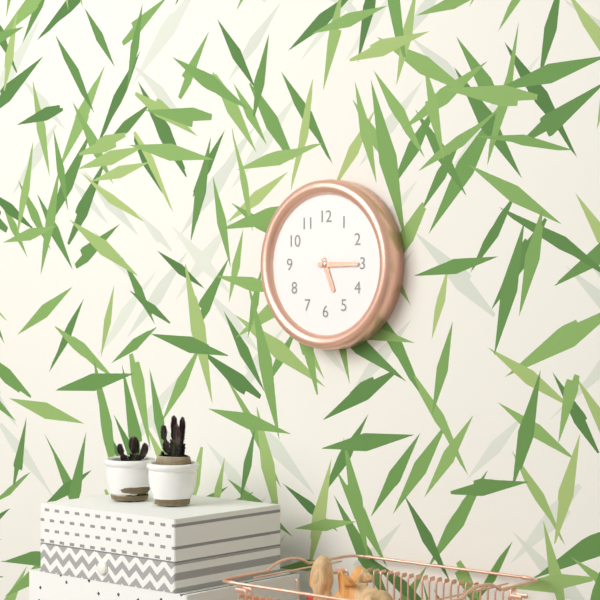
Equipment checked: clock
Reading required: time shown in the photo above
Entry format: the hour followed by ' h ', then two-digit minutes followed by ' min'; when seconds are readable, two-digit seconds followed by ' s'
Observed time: 5 h 15 min
